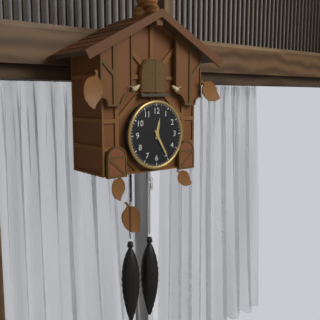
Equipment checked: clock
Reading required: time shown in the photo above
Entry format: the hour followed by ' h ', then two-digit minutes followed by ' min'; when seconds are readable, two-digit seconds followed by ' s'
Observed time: 12 h 25 min
